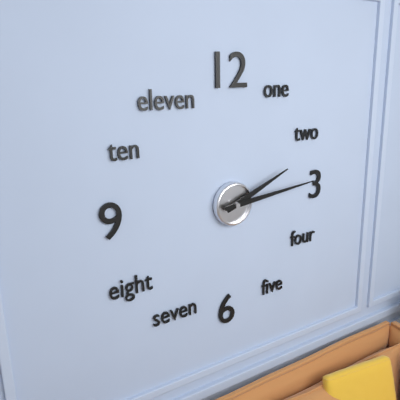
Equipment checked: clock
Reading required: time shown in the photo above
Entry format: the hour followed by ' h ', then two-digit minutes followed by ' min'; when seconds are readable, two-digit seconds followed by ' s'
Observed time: 2 h 14 min
